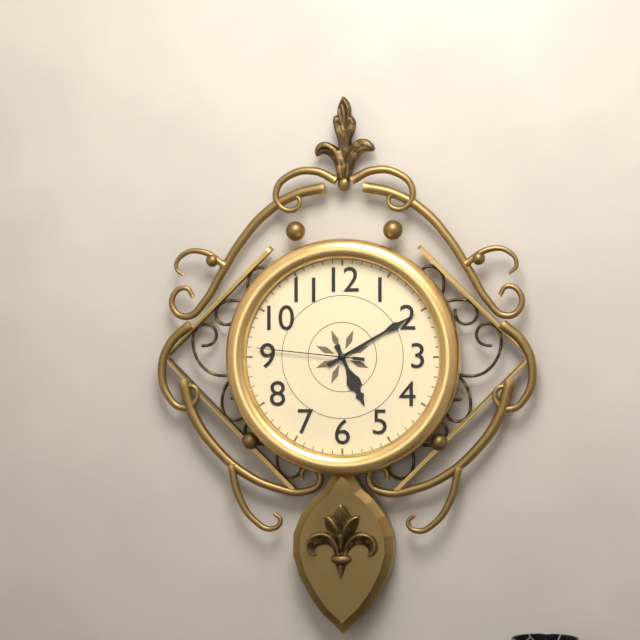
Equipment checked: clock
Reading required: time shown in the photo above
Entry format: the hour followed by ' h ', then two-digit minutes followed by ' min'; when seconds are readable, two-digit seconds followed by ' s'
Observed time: 5 h 10 min 46 s
